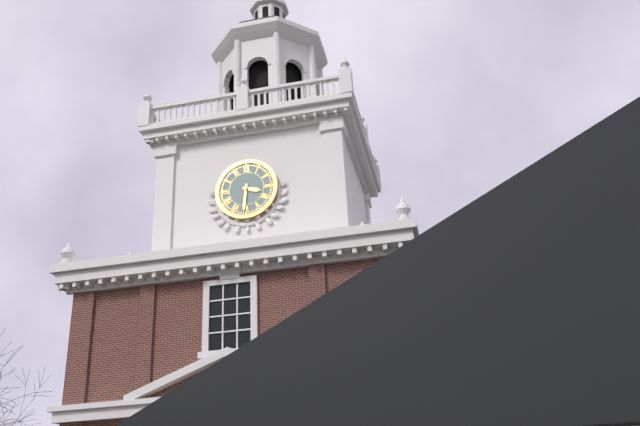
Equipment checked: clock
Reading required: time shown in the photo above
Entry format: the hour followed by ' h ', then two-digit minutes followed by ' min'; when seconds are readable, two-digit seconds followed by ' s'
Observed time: 3 h 31 min
